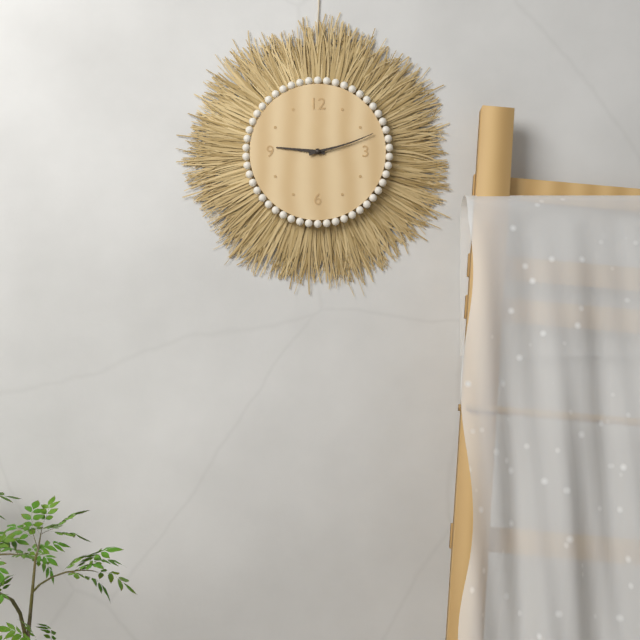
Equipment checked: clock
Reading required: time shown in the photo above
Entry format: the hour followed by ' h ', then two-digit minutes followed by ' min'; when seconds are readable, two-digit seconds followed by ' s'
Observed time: 9 h 12 min
